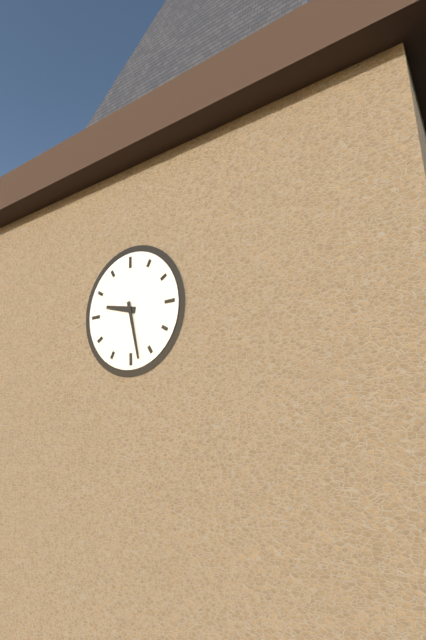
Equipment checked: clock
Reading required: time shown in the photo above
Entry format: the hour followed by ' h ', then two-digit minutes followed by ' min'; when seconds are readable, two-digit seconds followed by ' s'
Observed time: 9 h 28 min
